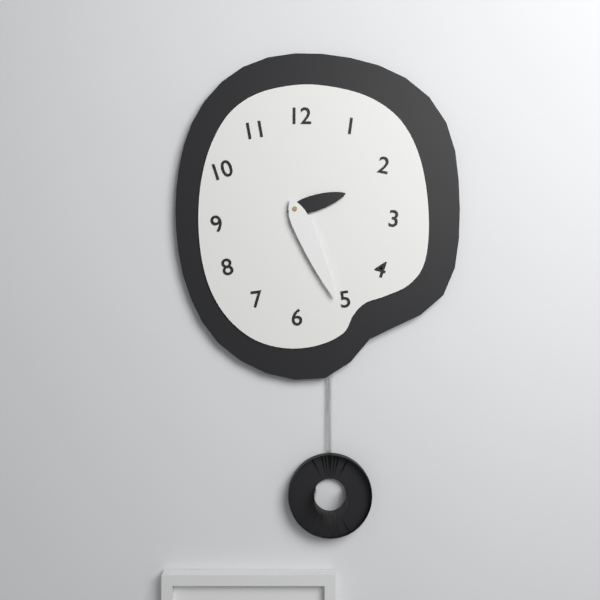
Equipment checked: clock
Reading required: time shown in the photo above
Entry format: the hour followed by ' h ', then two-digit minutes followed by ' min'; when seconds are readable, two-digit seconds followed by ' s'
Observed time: 2 h 26 min
